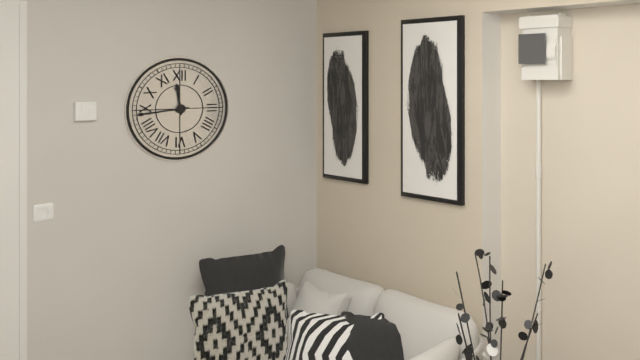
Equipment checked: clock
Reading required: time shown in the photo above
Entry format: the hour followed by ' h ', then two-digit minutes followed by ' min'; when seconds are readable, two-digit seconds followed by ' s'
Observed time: 11 h 44 min
